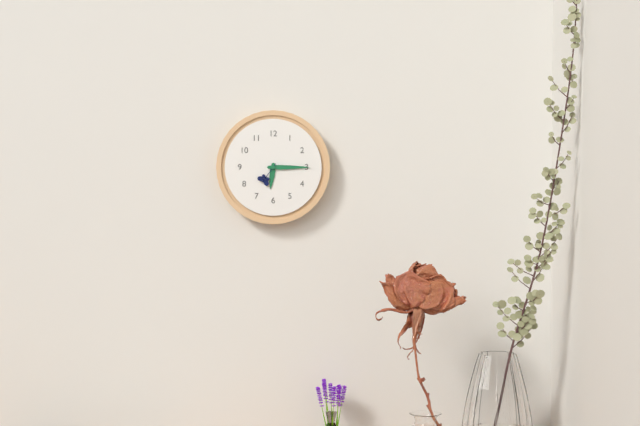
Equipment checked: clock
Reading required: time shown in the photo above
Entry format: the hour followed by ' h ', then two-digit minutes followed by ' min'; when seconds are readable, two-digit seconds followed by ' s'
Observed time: 6 h 15 min
